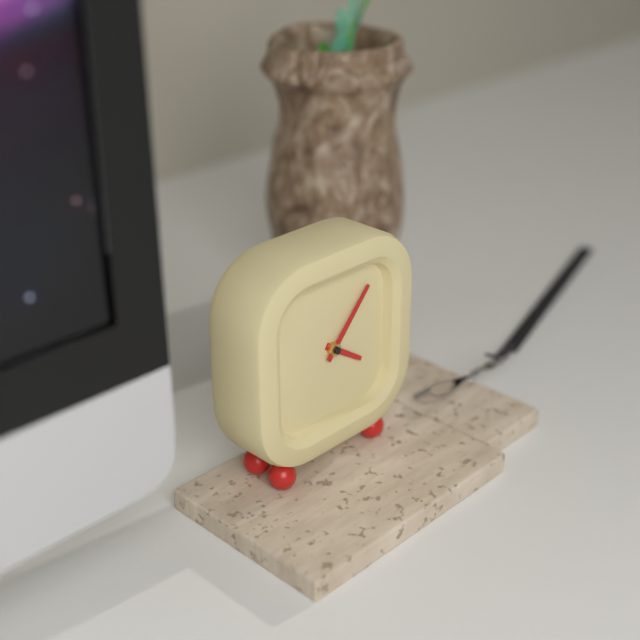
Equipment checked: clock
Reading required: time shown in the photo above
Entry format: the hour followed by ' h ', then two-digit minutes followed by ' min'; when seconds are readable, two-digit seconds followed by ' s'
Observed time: 4 h 07 min
